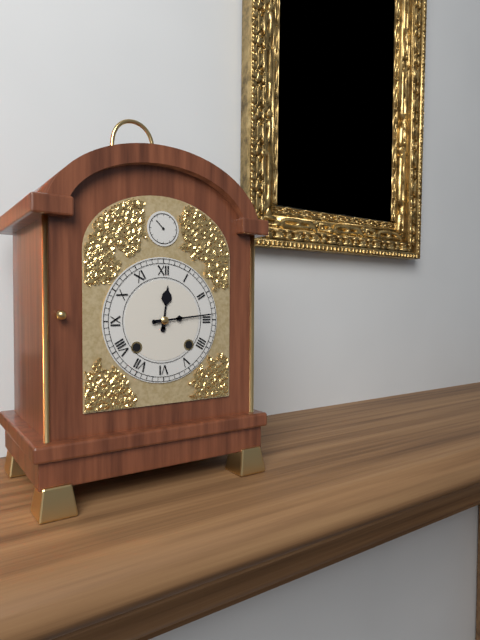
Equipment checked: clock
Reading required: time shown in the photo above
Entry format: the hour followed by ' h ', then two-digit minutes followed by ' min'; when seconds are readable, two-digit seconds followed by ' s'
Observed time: 12 h 14 min
